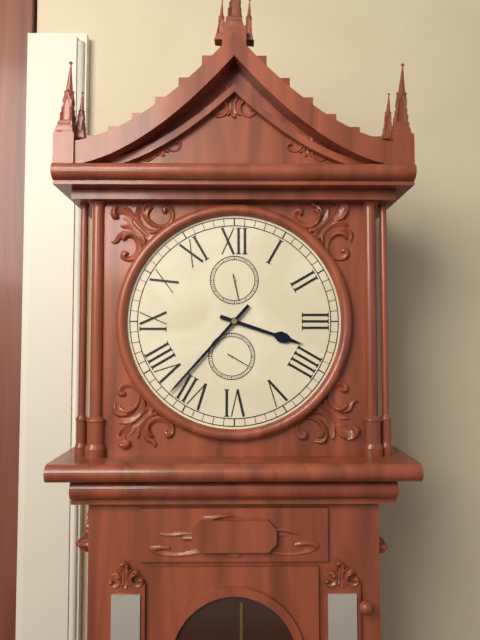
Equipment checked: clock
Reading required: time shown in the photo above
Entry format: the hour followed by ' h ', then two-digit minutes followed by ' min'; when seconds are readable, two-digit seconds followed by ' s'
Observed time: 3 h 37 min
